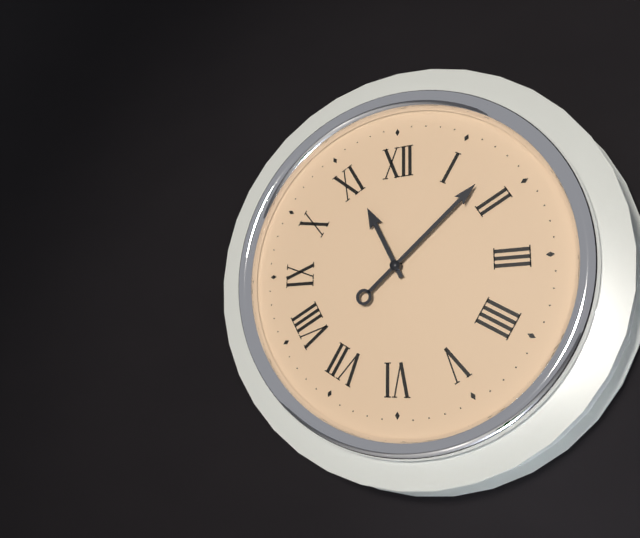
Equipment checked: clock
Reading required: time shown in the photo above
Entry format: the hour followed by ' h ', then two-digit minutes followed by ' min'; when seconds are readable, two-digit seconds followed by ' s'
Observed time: 11 h 08 min
